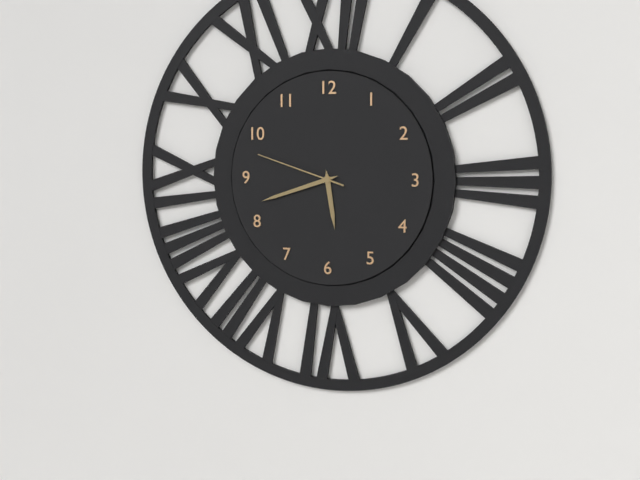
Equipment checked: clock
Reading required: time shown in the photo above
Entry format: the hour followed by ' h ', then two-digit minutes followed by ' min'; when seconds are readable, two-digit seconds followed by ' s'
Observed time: 5 h 42 min 48 s
